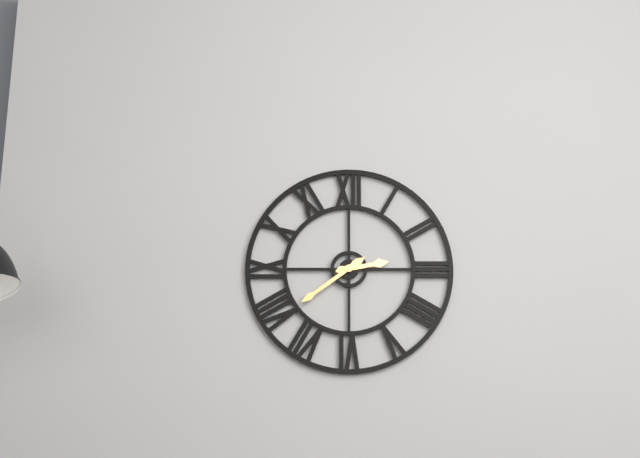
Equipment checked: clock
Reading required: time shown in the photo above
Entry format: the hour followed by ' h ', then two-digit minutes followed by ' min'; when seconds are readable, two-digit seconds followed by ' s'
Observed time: 2 h 39 min
